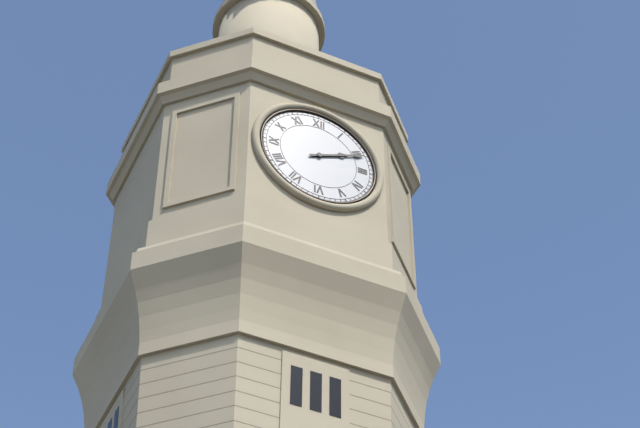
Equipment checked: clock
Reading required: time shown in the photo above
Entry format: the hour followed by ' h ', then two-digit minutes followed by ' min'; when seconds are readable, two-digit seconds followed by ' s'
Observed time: 2 h 11 min
